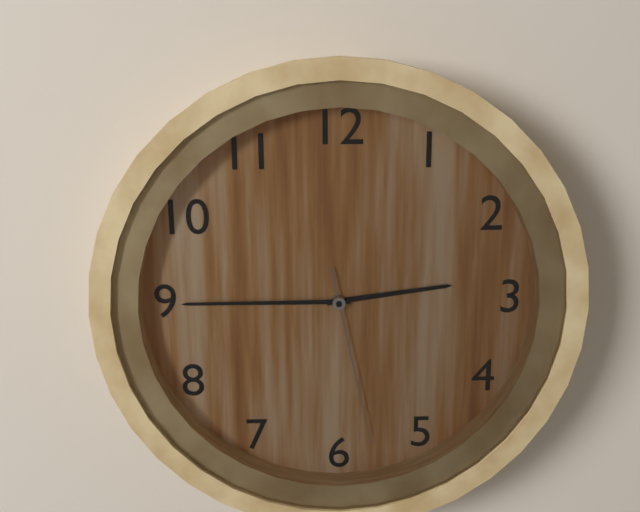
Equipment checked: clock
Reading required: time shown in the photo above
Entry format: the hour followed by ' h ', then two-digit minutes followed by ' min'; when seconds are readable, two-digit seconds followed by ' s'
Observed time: 2 h 45 min 28 s
